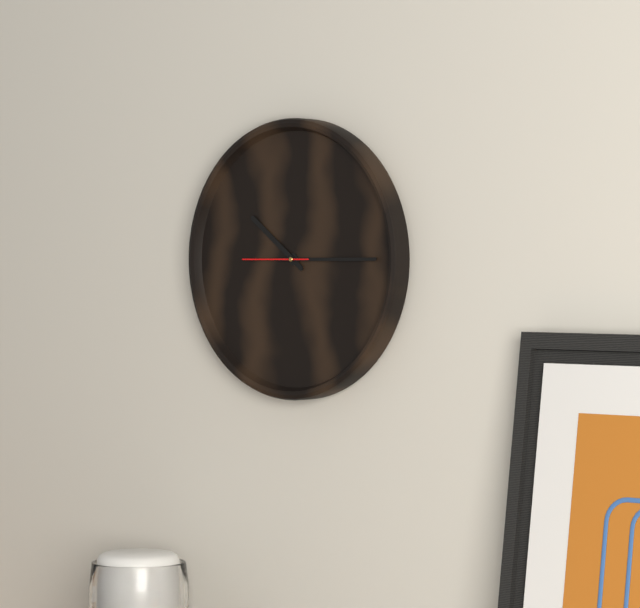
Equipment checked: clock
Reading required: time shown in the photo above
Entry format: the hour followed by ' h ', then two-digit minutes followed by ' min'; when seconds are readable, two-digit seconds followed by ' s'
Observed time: 10 h 15 min 45 s
